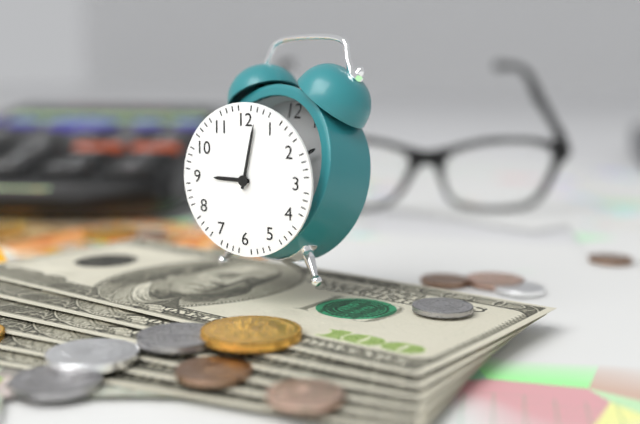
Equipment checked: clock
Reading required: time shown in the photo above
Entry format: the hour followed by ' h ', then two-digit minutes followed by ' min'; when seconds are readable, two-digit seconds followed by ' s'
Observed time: 9 h 02 min
